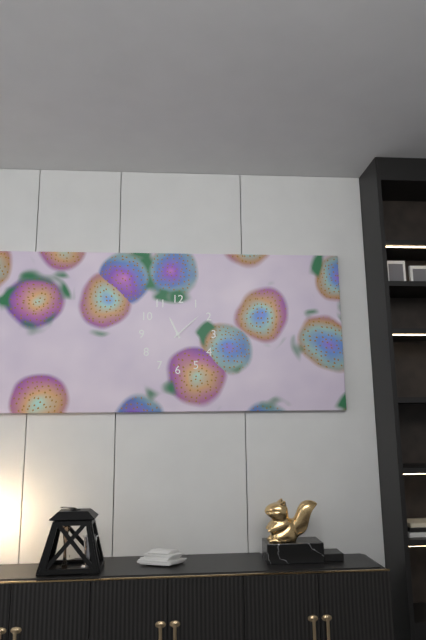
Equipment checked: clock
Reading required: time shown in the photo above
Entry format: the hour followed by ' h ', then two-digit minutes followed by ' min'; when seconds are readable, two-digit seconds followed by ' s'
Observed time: 11 h 08 min
